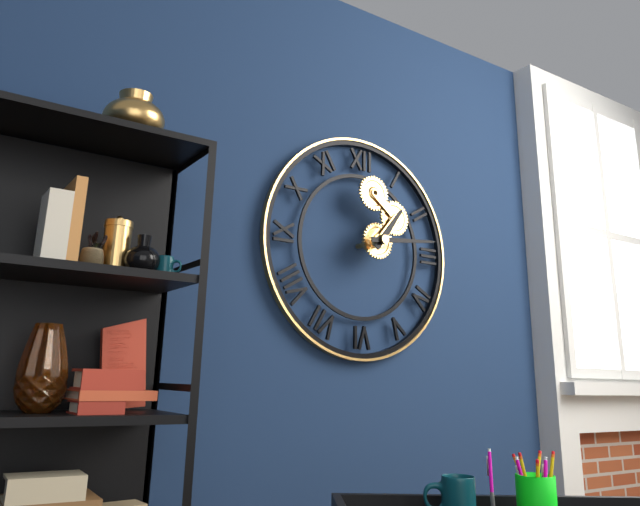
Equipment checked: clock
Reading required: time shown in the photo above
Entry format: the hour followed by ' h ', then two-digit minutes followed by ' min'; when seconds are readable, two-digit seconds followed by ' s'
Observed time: 1 h 14 min
